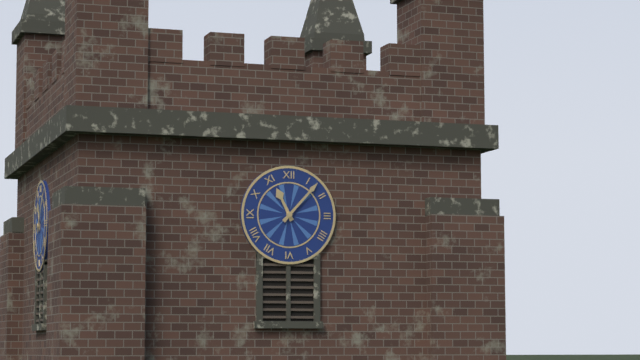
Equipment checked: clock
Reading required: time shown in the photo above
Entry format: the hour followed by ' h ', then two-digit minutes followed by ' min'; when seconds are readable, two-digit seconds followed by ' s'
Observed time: 11 h 07 min
